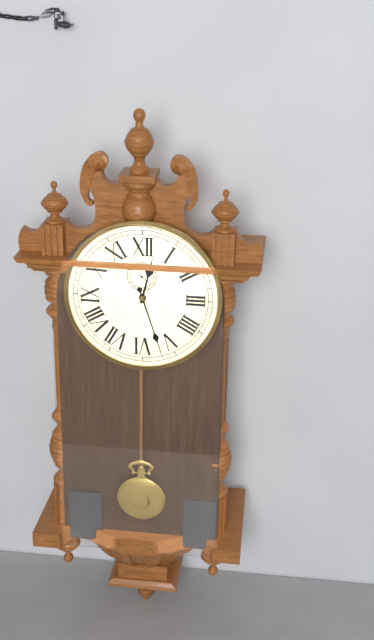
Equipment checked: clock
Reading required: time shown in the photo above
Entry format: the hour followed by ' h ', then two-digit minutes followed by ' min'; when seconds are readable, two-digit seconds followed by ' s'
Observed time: 12 h 27 min
